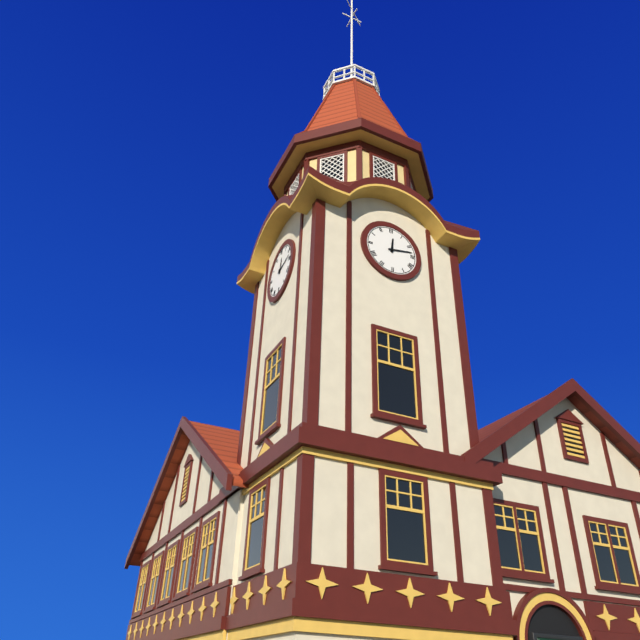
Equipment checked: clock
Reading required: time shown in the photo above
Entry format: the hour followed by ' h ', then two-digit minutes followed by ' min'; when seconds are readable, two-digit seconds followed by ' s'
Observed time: 12 h 13 min
